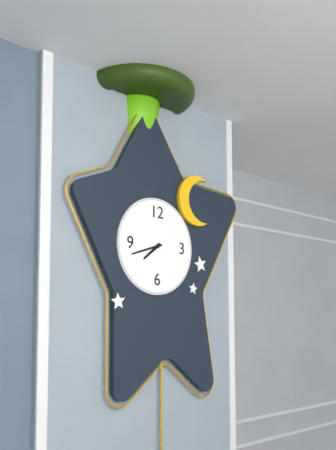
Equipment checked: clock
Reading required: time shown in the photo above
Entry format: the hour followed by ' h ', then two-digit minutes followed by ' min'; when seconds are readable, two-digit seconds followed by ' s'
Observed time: 7 h 42 min
